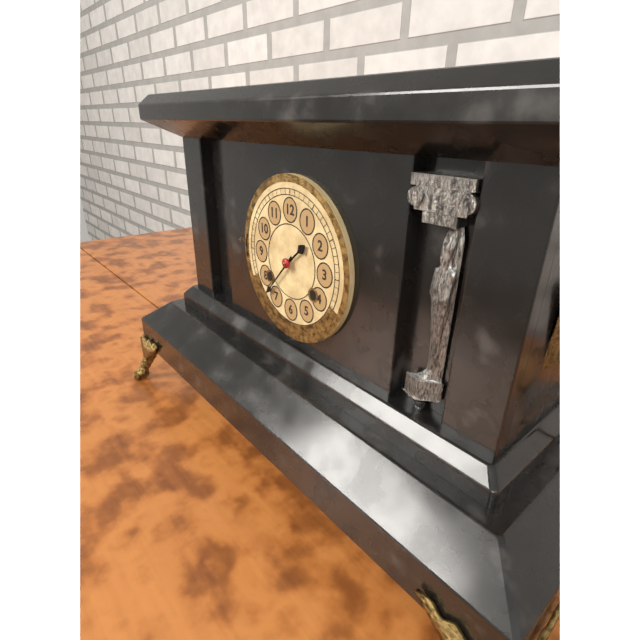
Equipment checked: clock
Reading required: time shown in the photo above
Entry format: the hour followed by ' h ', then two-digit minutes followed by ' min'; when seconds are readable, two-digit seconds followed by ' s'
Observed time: 1 h 37 min
